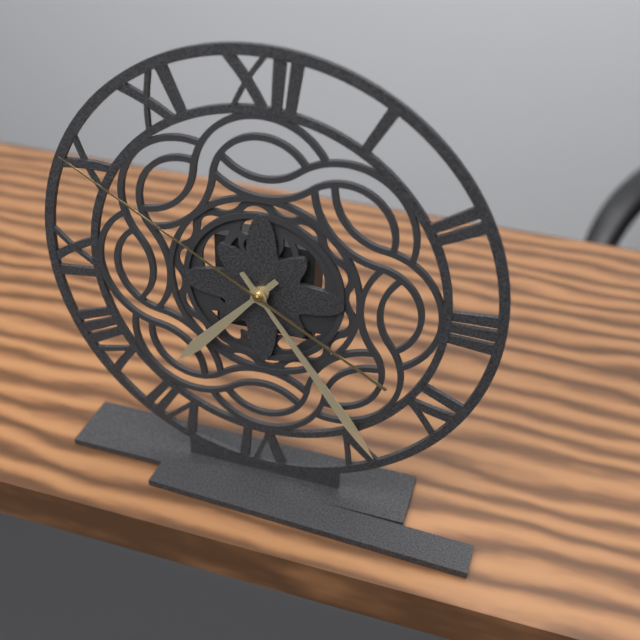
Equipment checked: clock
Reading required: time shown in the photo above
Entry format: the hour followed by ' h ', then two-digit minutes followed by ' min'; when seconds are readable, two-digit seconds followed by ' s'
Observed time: 7 h 24 min 50 s
